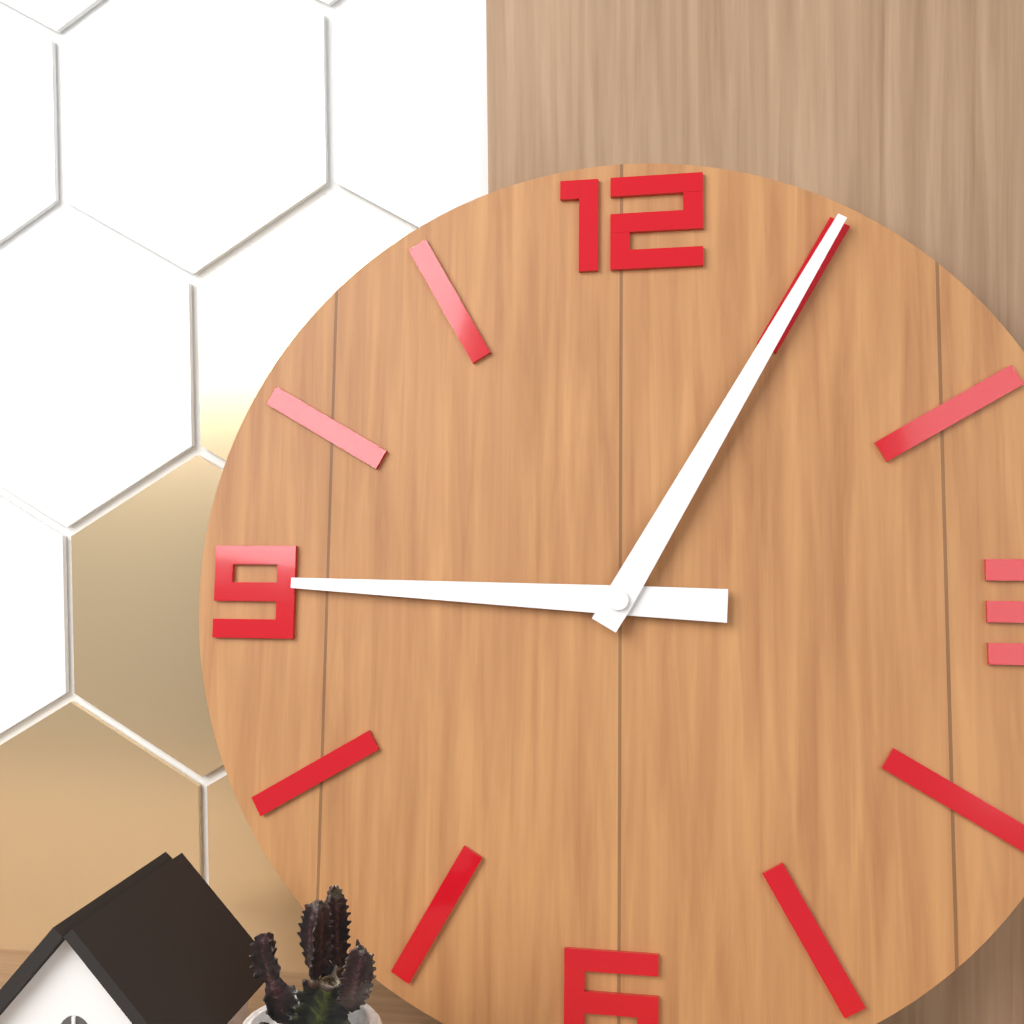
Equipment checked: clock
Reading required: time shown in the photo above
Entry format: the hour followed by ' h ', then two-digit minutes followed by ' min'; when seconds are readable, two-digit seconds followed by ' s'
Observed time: 9 h 05 min
